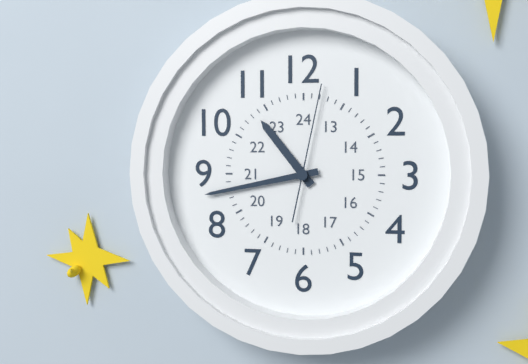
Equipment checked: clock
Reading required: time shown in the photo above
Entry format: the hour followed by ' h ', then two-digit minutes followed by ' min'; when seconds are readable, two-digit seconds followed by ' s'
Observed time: 10 h 43 min 02 s
